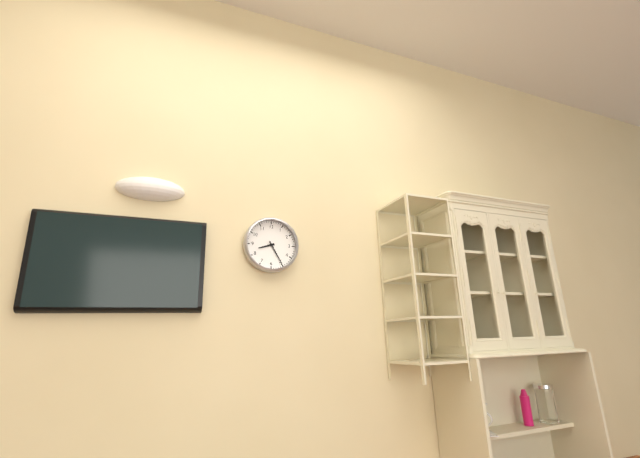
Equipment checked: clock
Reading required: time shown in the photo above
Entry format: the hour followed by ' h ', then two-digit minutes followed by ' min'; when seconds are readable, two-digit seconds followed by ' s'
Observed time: 8 h 25 min
